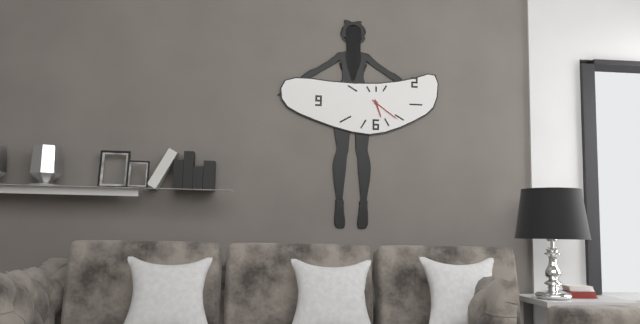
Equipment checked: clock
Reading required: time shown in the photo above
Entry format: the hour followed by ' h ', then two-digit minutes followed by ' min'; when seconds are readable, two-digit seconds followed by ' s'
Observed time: 5 h 21 min
